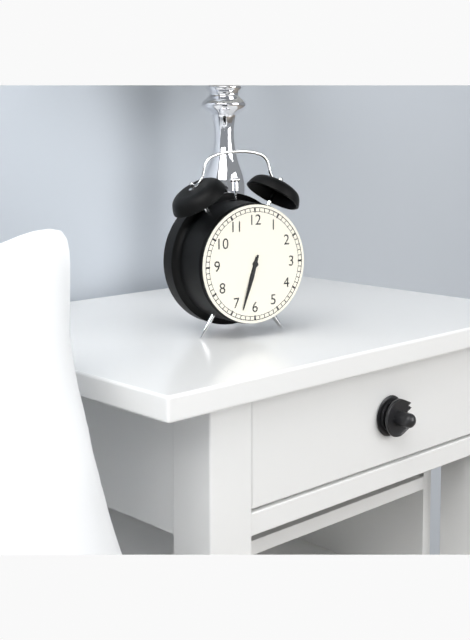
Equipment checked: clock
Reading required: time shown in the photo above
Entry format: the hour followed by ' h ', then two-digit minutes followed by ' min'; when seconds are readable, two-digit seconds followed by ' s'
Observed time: 6 h 33 min
